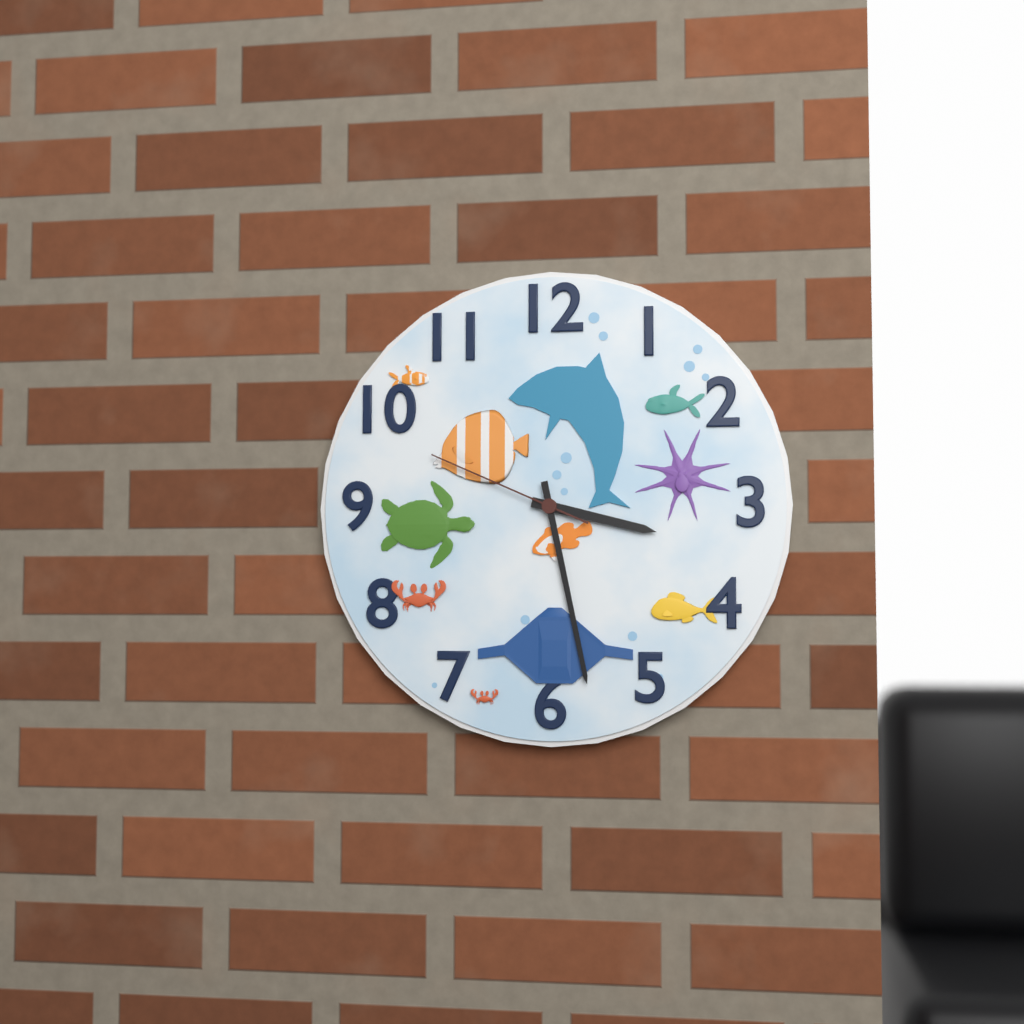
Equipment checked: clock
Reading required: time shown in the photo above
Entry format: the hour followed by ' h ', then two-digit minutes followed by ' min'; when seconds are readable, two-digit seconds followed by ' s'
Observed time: 3 h 28 min 49 s
